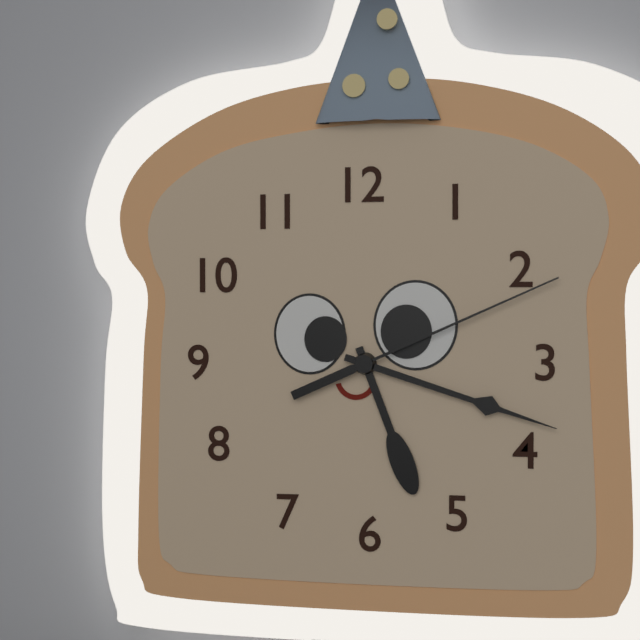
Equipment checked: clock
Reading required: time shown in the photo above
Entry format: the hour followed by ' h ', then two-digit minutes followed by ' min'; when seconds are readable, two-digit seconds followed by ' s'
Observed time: 5 h 18 min 11 s
